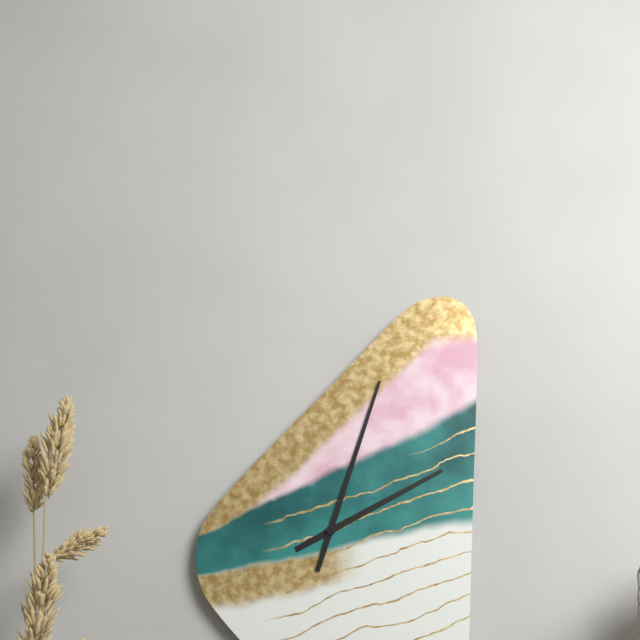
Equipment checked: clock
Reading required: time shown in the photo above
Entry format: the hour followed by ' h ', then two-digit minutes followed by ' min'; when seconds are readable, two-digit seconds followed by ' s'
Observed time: 2 h 03 min
